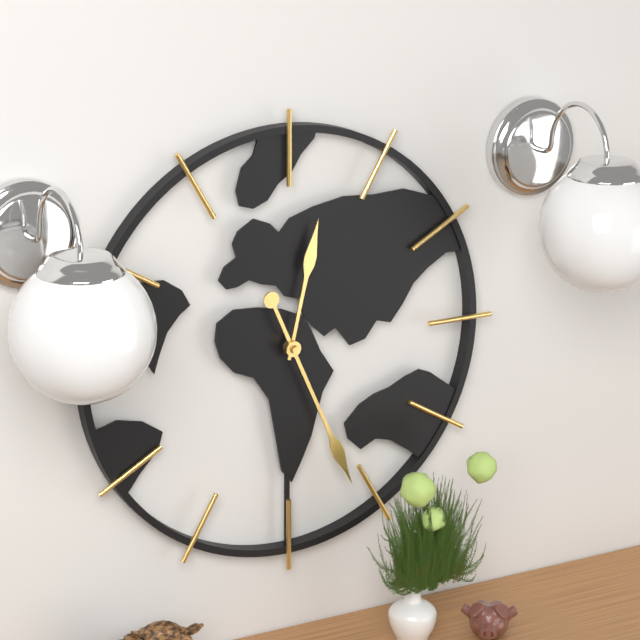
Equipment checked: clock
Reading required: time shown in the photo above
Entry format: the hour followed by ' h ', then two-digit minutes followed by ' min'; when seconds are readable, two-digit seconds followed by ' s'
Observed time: 12 h 26 min
